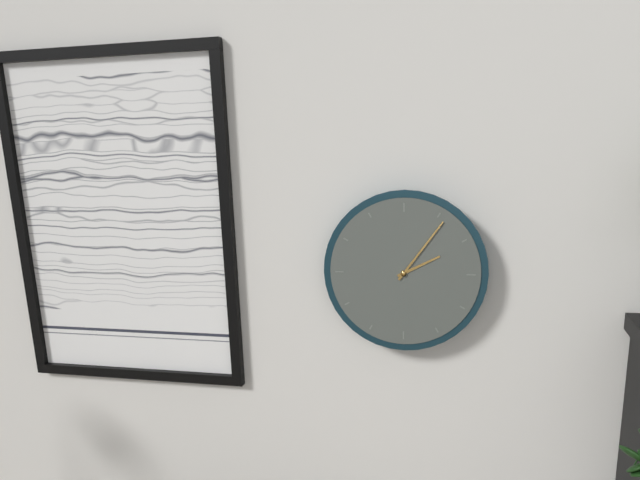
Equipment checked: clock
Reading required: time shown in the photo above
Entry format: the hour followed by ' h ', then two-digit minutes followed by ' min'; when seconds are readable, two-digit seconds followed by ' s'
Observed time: 2 h 06 min
